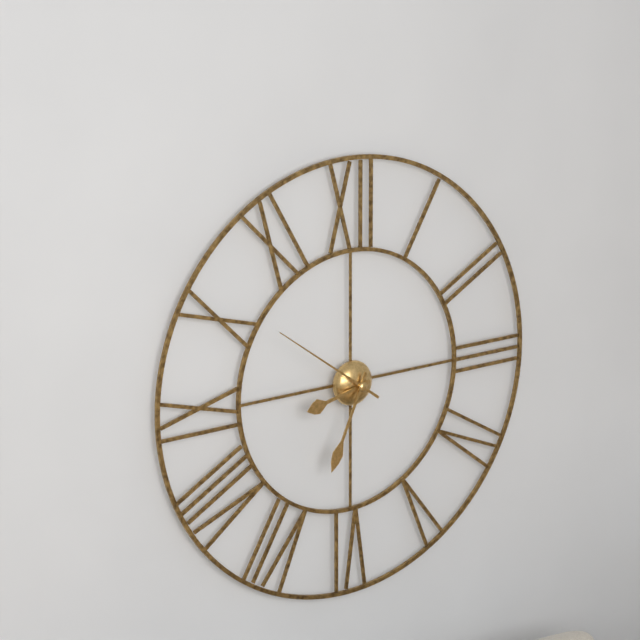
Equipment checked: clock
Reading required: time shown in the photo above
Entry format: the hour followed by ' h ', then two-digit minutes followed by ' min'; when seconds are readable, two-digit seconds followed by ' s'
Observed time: 8 h 34 min 51 s
